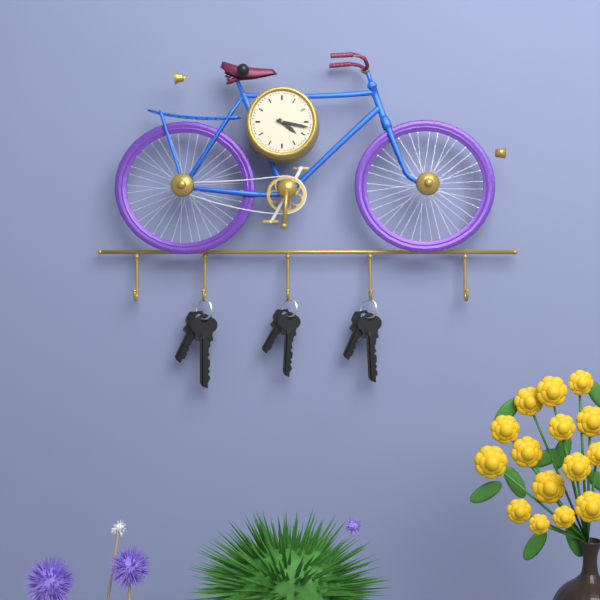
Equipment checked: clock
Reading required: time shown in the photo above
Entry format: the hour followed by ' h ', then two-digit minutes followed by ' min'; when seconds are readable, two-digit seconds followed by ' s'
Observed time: 4 h 17 min
